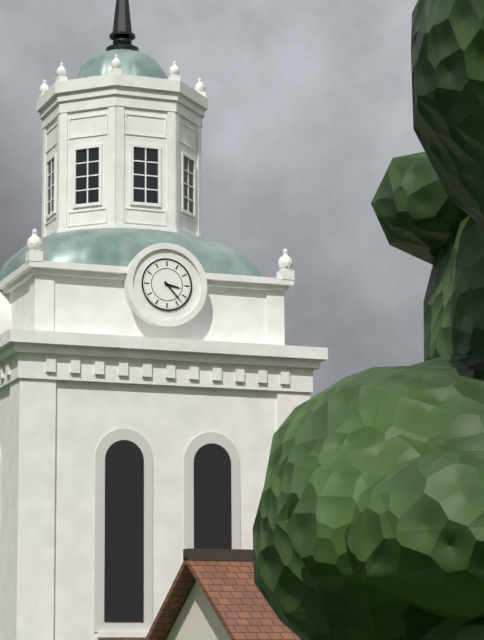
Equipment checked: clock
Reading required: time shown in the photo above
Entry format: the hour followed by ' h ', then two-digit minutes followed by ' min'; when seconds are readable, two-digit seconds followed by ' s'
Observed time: 3 h 23 min
